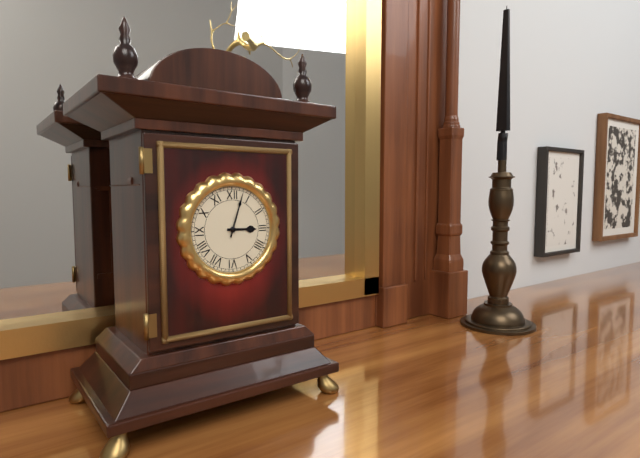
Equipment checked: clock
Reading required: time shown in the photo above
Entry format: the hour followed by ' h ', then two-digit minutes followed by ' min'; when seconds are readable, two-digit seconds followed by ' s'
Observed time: 3 h 03 min
